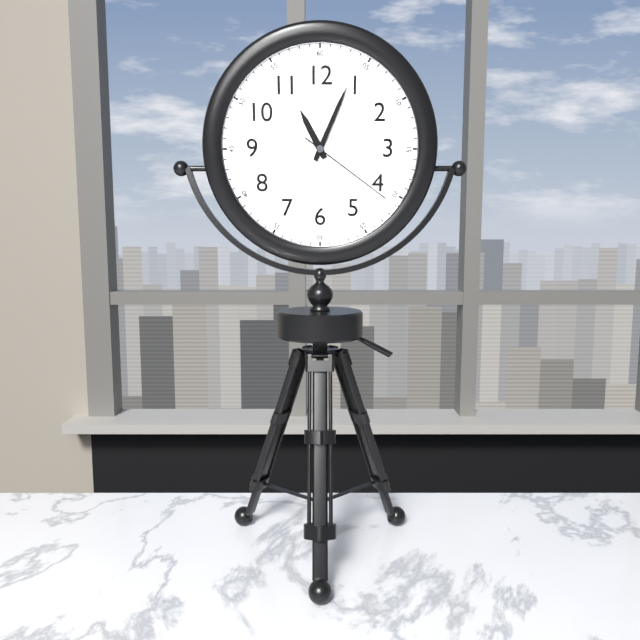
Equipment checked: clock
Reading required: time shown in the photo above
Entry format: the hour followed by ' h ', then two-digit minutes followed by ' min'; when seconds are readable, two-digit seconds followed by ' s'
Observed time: 11 h 04 min 21 s
